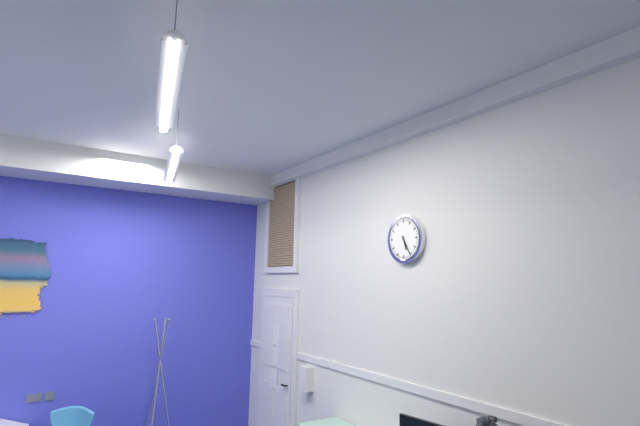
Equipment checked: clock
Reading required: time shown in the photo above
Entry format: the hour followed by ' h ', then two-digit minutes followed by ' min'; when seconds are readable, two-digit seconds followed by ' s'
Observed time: 5 h 25 min
